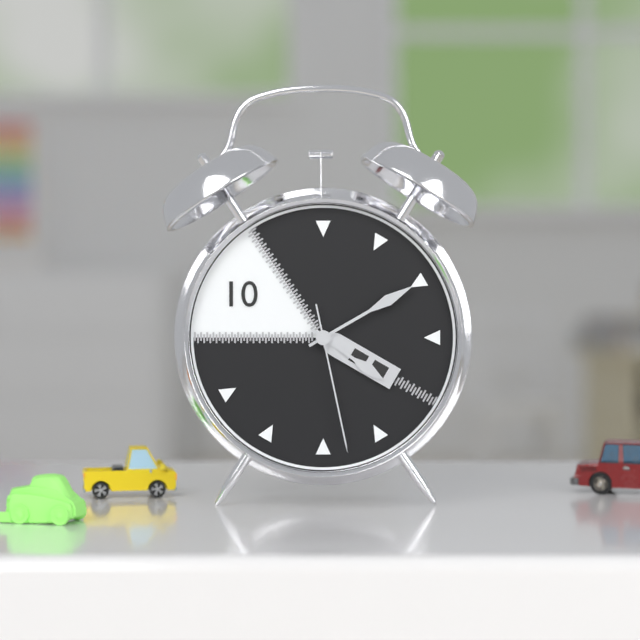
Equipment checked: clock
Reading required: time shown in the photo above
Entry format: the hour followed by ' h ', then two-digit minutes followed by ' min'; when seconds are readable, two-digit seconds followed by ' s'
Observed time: 4 h 10 min 28 s
